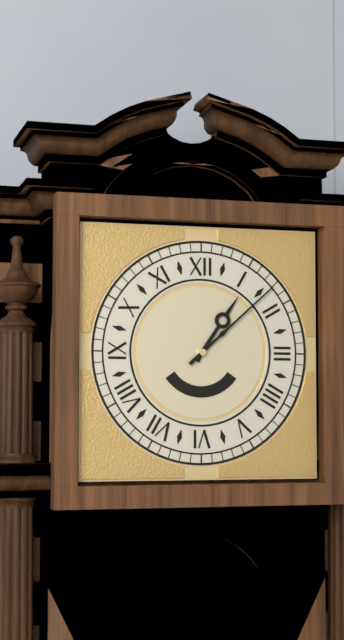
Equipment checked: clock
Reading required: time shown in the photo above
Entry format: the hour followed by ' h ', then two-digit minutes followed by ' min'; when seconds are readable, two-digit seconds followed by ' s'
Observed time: 1 h 08 min
